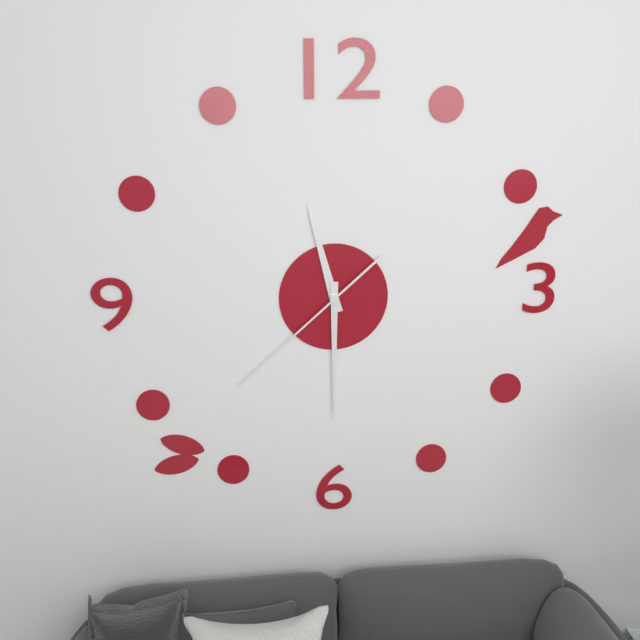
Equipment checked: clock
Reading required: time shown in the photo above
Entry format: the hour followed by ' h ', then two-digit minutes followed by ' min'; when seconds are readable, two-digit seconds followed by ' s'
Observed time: 11 h 30 min 38 s
